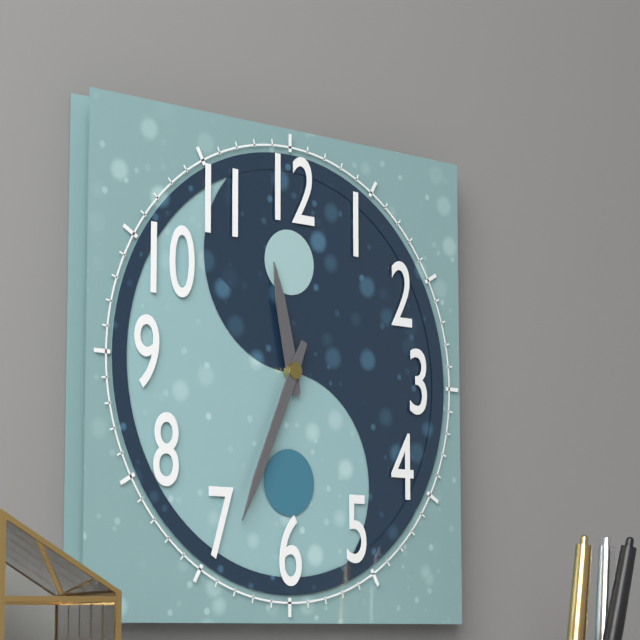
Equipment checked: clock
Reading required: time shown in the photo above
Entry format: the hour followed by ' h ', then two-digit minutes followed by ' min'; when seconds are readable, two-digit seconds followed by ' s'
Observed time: 11 h 34 min
